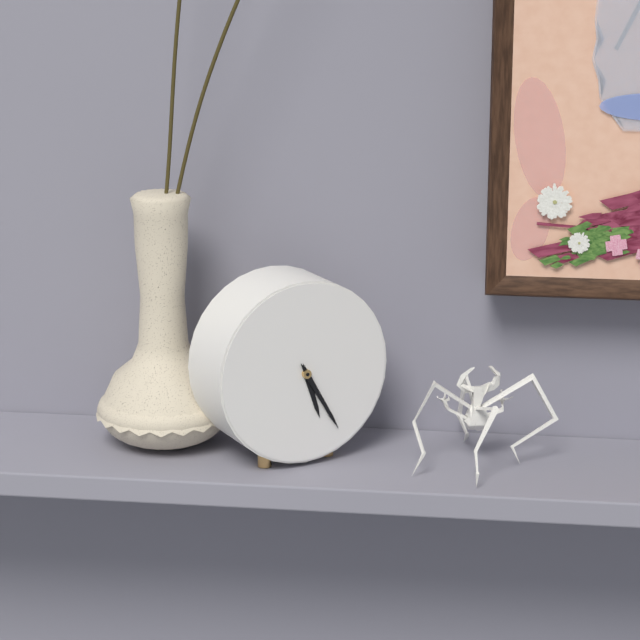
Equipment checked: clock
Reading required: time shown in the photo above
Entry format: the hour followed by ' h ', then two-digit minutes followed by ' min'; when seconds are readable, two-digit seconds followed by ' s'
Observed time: 5 h 25 min
